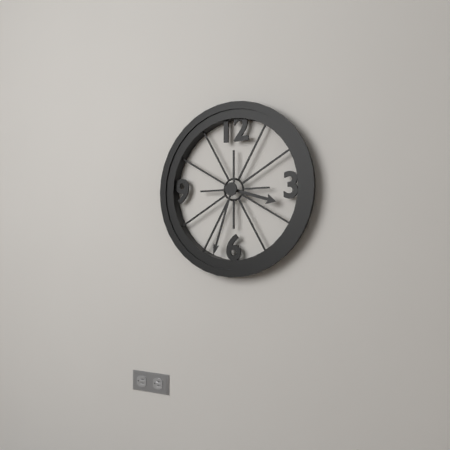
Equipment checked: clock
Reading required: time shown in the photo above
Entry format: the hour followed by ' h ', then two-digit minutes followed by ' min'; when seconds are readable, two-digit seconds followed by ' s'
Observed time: 3 h 33 min
